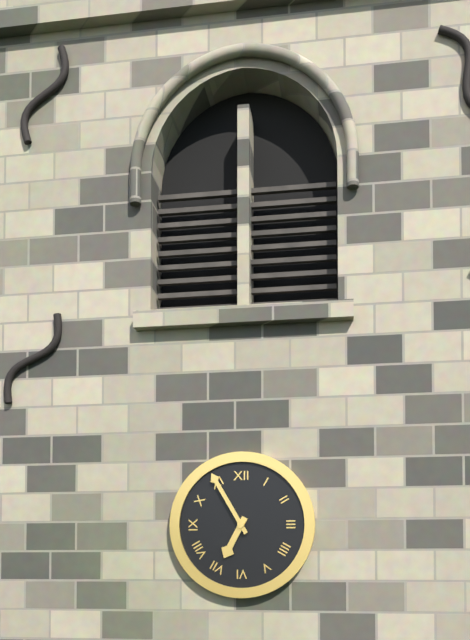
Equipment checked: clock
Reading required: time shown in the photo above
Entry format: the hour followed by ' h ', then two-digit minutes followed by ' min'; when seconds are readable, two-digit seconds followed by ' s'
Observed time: 6 h 55 min
